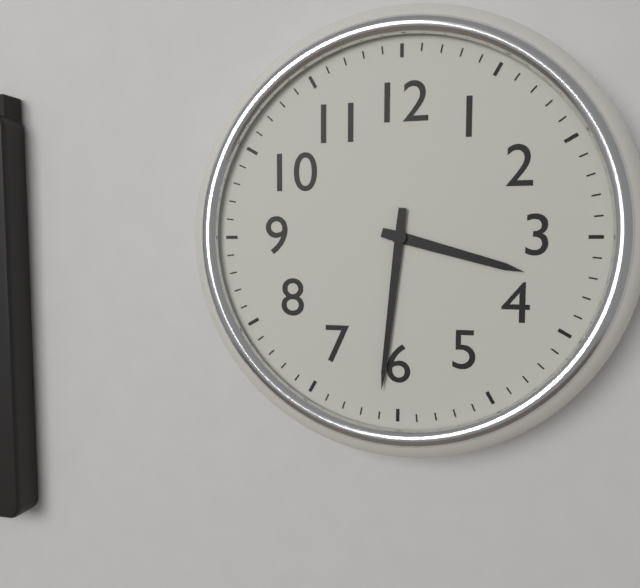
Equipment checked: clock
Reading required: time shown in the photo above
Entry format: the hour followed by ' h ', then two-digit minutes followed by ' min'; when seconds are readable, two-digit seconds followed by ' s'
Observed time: 3 h 31 min
